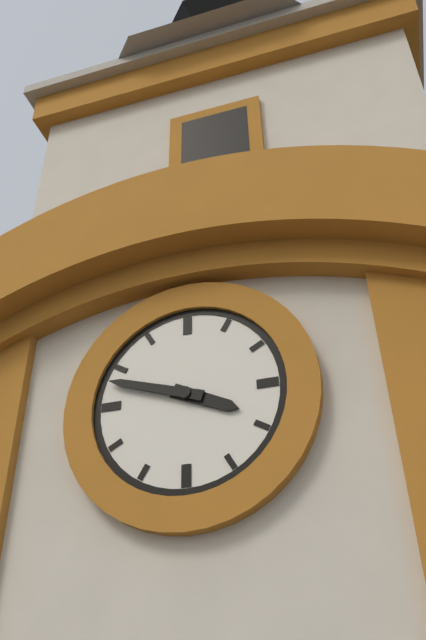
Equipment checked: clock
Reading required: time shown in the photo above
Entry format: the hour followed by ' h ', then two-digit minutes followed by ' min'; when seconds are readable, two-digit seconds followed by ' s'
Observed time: 3 h 48 min
